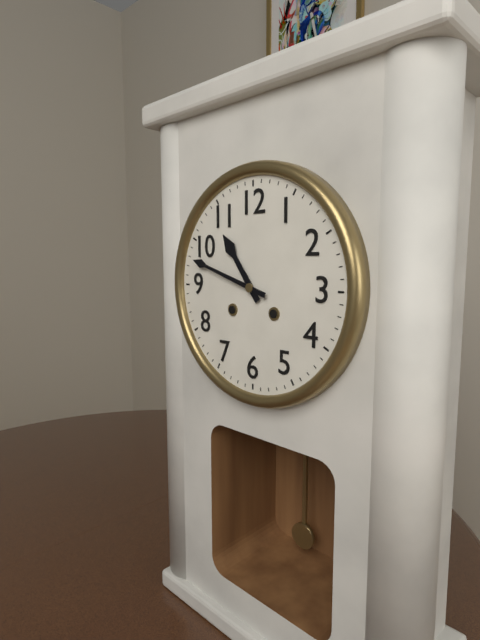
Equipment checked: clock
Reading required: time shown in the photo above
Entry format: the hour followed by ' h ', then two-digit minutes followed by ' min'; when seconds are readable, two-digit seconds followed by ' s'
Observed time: 10 h 48 min
